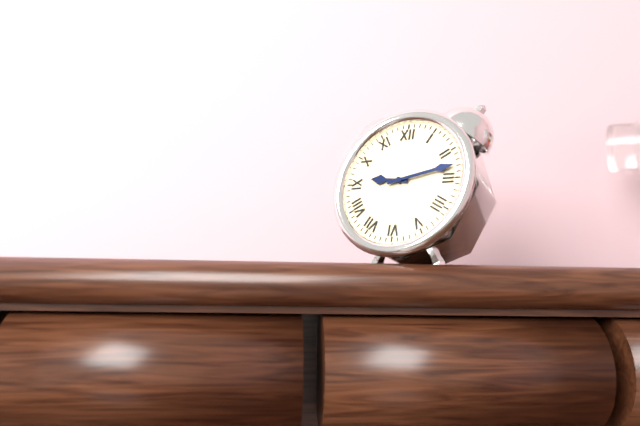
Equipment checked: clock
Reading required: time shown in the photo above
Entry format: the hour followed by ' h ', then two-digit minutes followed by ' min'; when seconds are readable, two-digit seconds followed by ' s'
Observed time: 9 h 13 min
